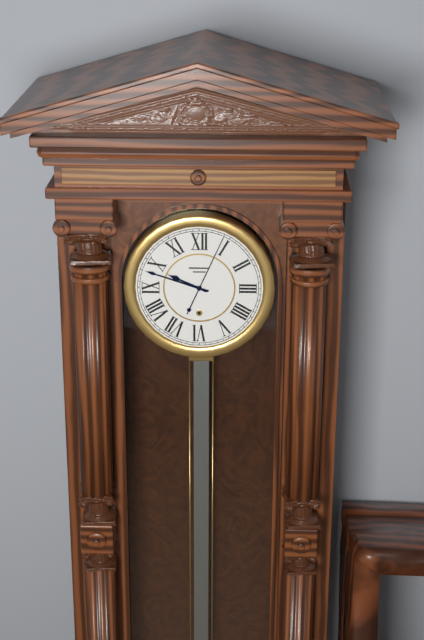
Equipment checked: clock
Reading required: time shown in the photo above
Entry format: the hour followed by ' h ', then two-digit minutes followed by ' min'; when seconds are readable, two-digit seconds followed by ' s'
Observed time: 9 h 48 min 04 s
